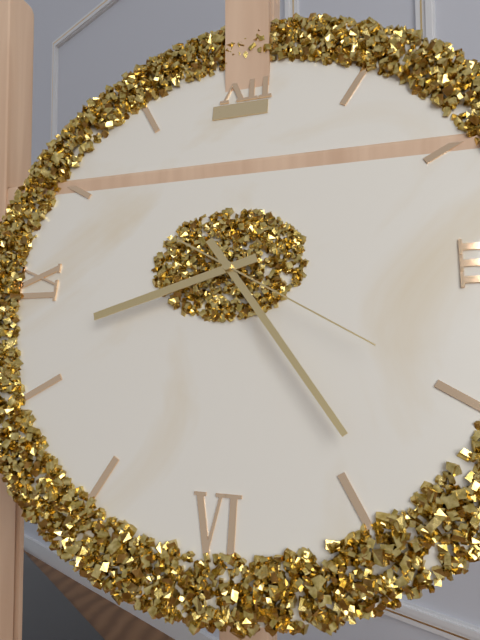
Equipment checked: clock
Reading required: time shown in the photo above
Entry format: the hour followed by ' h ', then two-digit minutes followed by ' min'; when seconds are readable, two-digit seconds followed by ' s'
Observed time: 8 h 24 min 20 s
